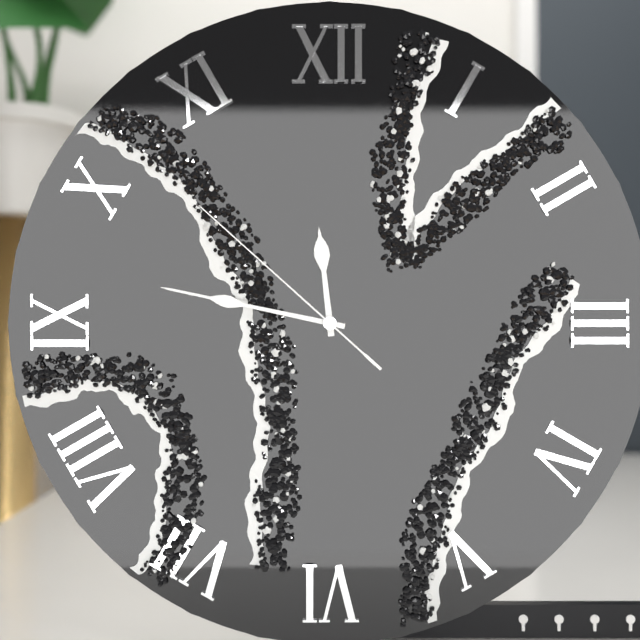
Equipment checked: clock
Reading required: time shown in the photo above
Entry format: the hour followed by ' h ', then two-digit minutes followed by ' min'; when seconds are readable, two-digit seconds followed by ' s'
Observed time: 11 h 47 min 52 s
